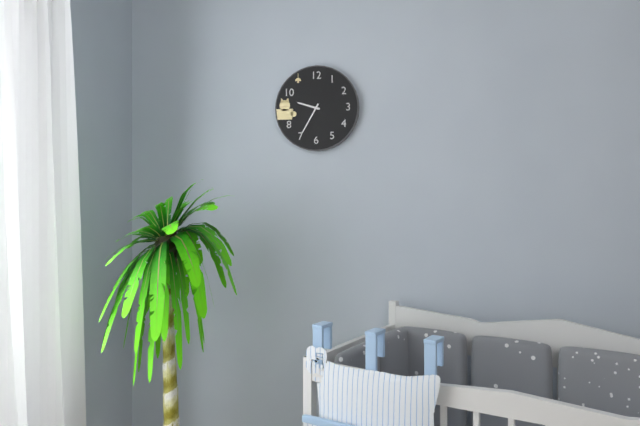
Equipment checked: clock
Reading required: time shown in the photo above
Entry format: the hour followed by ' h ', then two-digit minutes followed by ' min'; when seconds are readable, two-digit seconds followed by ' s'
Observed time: 9 h 35 min
